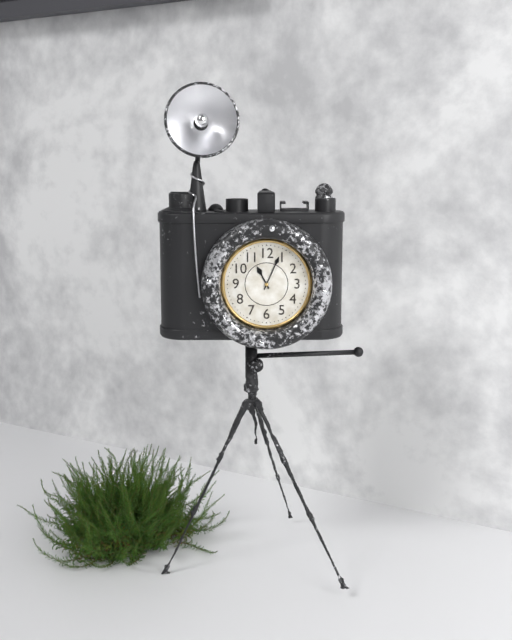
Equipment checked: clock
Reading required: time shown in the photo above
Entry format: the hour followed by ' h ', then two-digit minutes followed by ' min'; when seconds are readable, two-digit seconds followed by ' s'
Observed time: 11 h 04 min
